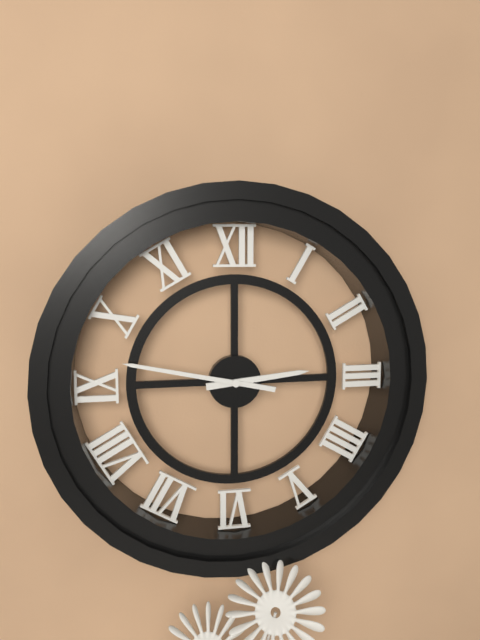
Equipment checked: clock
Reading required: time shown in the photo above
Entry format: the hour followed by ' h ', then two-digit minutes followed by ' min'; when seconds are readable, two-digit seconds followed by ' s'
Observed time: 2 h 47 min
